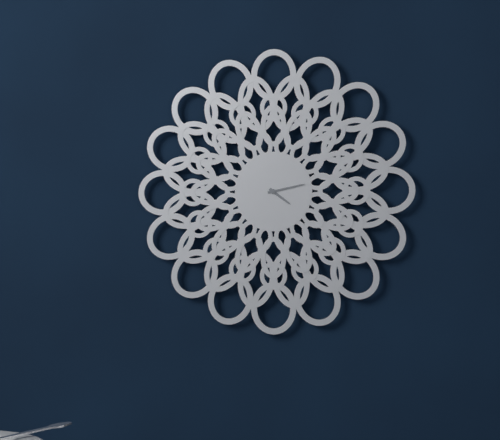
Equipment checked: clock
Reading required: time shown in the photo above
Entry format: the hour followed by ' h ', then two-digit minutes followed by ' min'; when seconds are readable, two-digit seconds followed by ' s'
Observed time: 4 h 13 min
